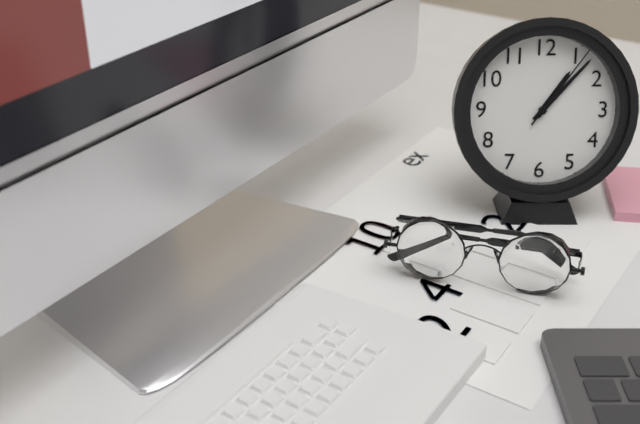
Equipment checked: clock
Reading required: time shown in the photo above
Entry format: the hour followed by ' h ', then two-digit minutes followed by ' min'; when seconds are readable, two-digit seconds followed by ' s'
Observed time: 1 h 07 min 06 s
